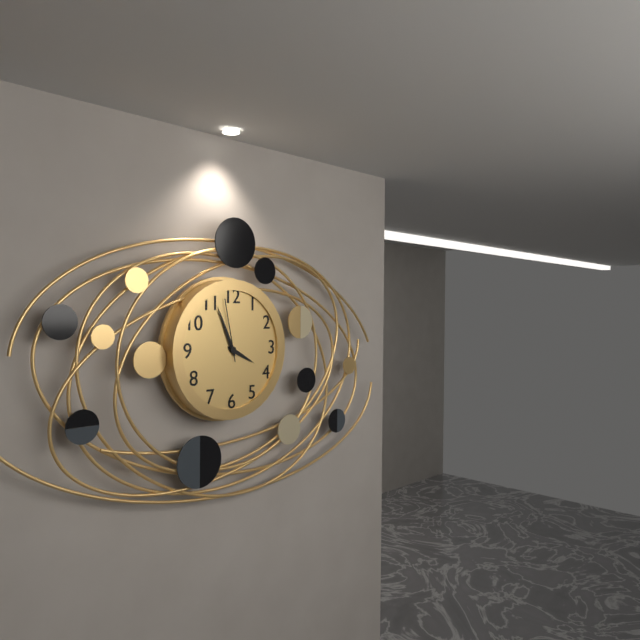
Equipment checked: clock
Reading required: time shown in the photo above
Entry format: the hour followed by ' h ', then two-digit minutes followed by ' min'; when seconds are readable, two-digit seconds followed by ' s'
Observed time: 3 h 56 min 58 s
